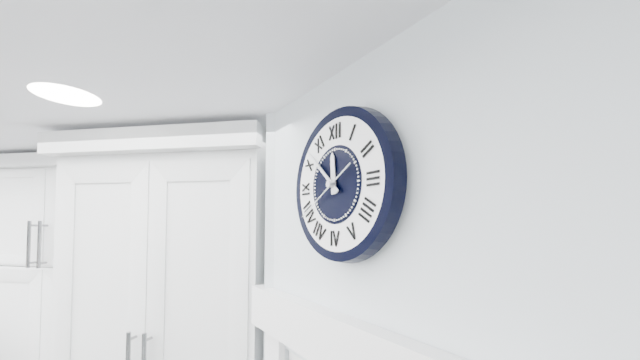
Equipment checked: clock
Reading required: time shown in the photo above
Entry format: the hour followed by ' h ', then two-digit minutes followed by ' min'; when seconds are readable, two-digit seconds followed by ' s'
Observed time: 11 h 52 min 40 s
